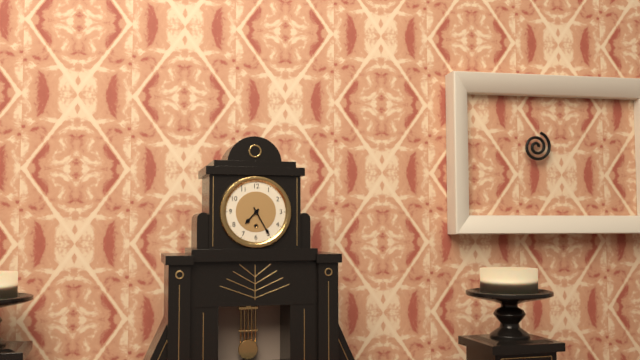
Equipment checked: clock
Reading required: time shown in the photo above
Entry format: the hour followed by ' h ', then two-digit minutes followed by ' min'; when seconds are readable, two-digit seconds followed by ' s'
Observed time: 7 h 25 min
